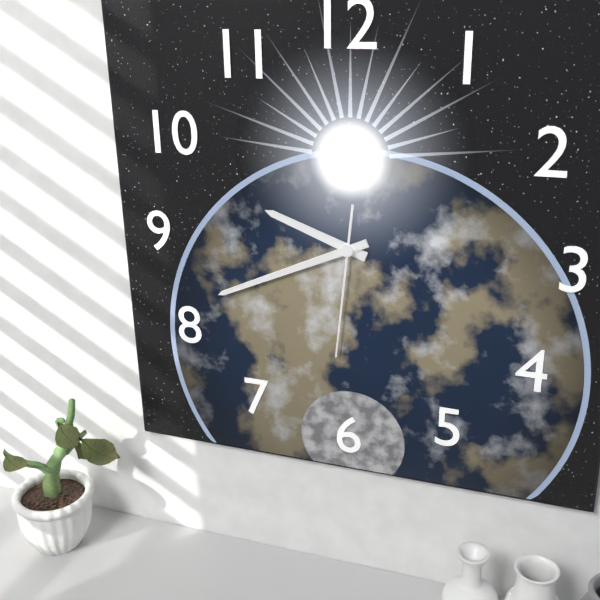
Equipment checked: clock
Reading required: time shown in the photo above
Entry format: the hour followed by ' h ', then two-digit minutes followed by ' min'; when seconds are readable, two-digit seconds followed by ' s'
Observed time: 9 h 41 min 31 s
